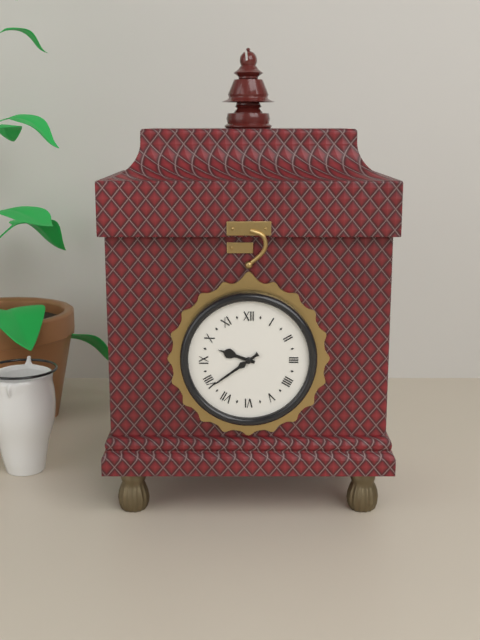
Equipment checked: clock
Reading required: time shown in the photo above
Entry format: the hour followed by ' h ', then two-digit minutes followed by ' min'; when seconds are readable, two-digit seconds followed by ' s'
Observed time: 9 h 39 min
